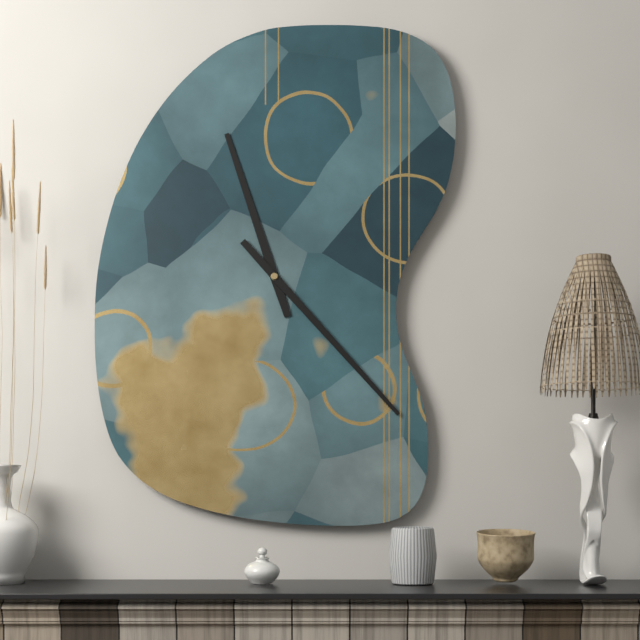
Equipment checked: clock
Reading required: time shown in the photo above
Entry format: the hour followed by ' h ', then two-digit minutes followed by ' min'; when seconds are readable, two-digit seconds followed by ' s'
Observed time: 11 h 23 min
